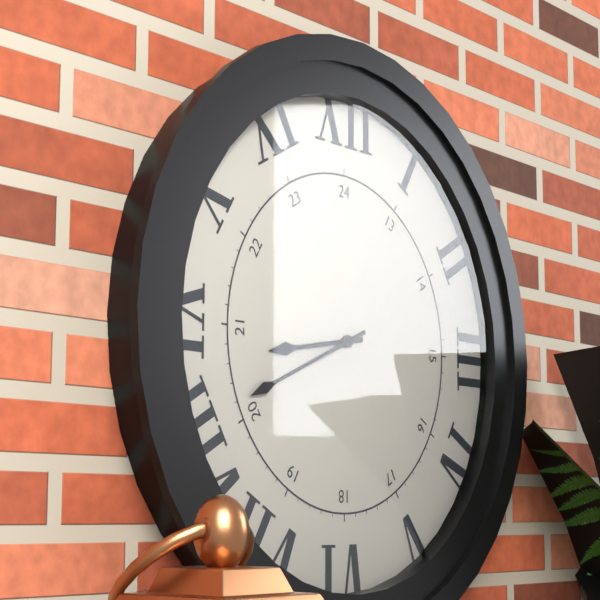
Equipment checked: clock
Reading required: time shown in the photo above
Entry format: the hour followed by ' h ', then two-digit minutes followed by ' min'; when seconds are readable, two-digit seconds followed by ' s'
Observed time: 8 h 41 min
